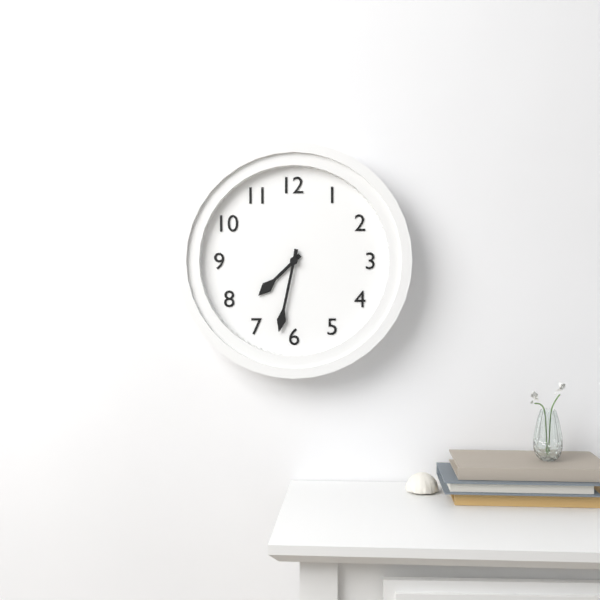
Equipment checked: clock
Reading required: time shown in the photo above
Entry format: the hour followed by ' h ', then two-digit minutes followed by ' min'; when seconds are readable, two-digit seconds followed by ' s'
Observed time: 7 h 32 min
